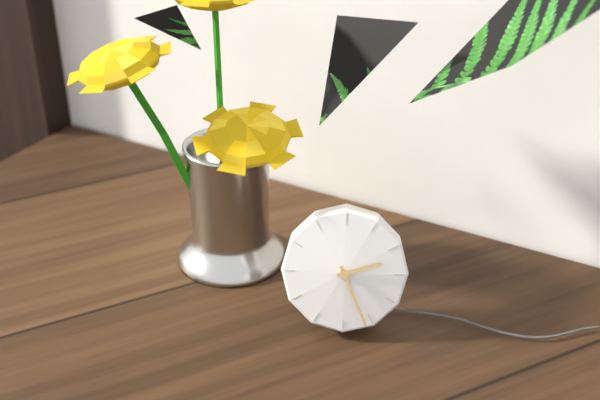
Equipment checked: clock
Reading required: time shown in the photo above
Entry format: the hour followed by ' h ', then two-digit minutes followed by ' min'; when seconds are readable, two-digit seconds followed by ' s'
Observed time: 2 h 26 min
